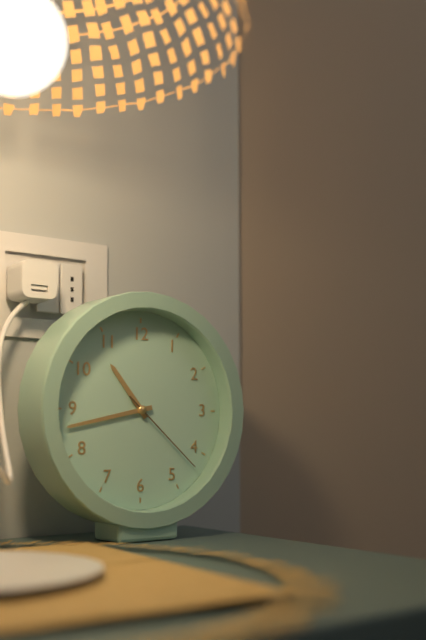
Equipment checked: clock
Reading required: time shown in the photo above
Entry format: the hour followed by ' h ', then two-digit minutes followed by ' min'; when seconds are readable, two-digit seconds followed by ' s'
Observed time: 10 h 43 min 22 s
